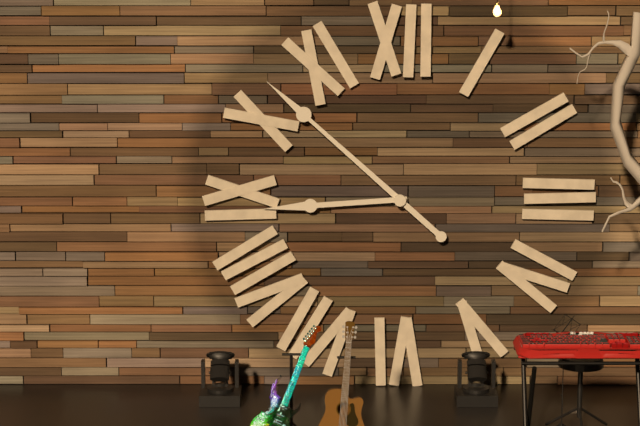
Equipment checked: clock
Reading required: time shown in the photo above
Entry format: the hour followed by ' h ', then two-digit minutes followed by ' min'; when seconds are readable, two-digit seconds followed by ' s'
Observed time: 8 h 52 min
